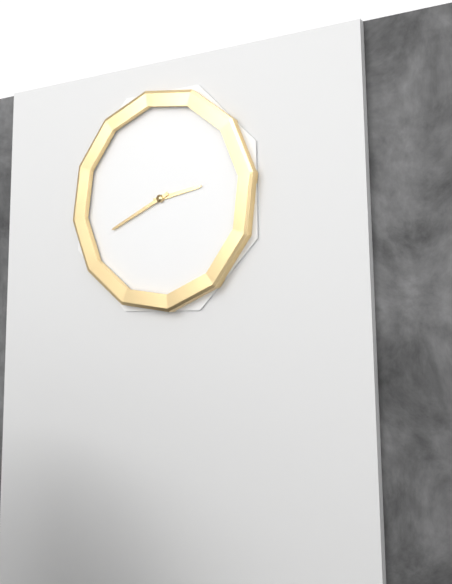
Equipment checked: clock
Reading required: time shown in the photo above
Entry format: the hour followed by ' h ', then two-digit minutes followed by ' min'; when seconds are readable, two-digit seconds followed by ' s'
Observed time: 2 h 41 min
